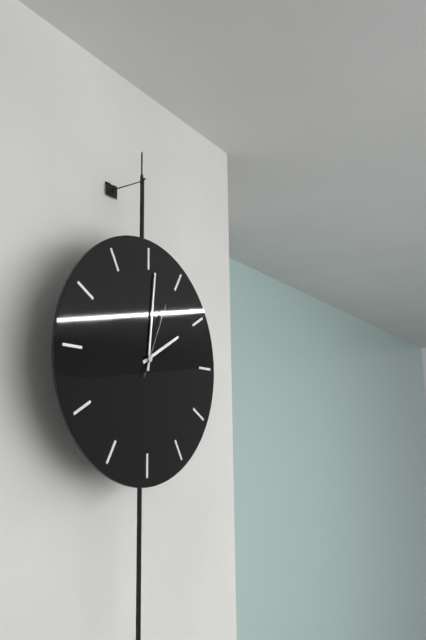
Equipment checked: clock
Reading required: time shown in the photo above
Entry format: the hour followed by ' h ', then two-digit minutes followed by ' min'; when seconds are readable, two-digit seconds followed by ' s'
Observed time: 2 h 01 min 04 s
